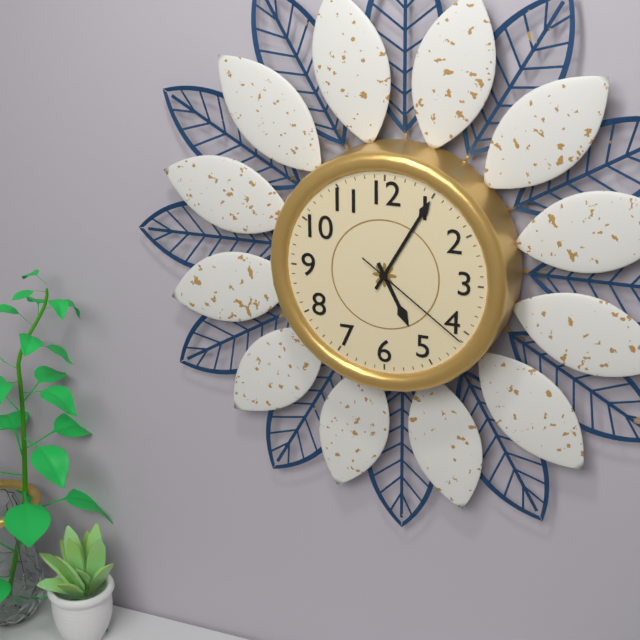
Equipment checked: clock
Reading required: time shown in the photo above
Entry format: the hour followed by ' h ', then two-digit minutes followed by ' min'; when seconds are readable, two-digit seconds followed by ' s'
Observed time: 5 h 05 min 21 s
